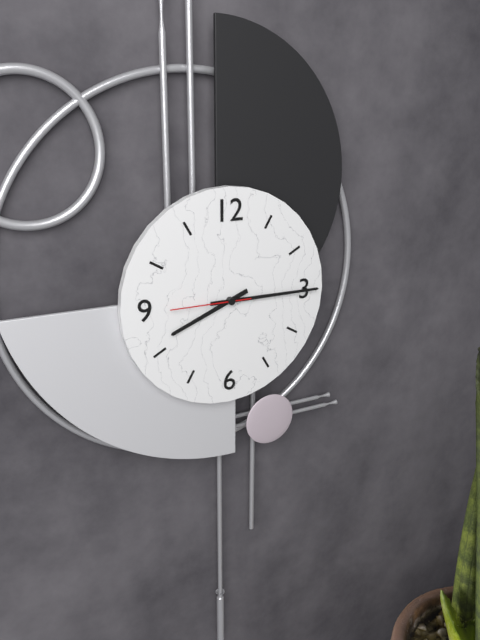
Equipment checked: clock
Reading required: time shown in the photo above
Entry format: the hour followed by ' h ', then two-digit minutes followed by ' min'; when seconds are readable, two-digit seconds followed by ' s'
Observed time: 8 h 15 min 45 s
